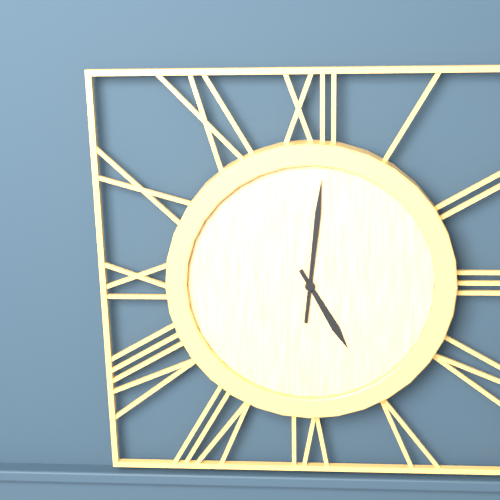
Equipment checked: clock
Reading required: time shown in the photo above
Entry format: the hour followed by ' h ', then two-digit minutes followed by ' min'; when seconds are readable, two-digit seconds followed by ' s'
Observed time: 5 h 01 min
